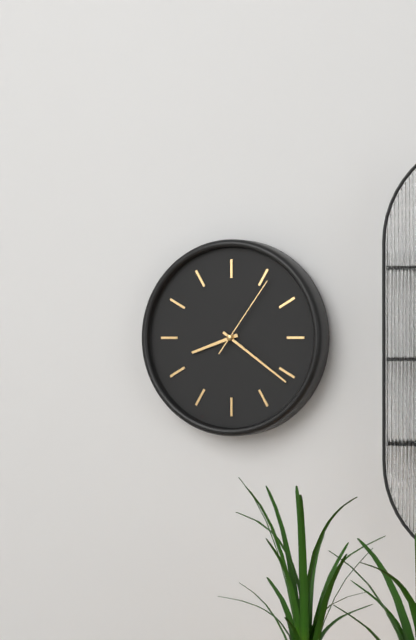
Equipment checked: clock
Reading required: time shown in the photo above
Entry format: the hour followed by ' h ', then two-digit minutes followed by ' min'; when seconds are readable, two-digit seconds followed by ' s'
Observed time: 8 h 21 min 06 s
